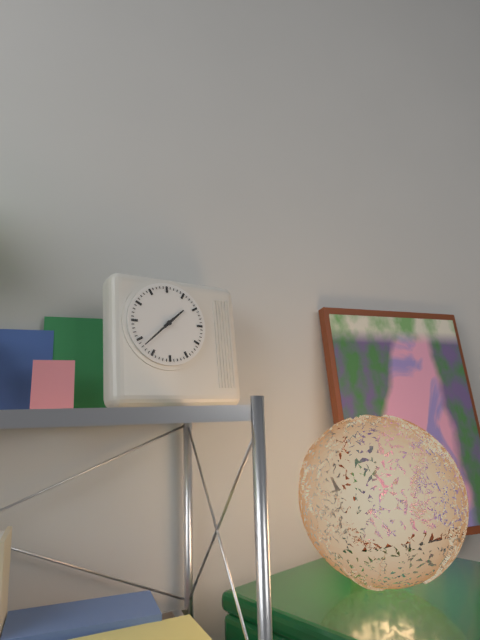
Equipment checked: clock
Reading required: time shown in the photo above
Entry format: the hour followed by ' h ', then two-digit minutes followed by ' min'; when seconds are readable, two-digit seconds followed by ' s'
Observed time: 1 h 38 min
